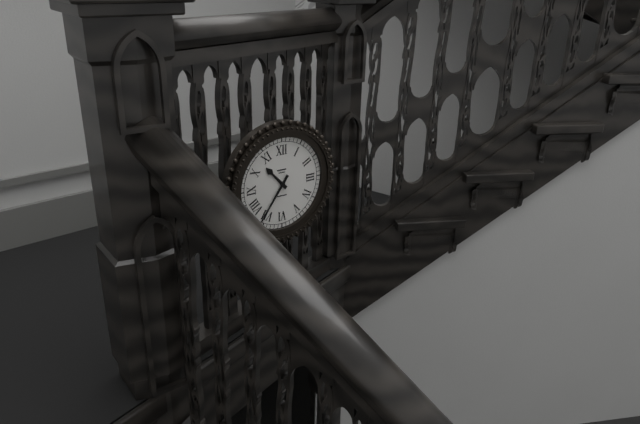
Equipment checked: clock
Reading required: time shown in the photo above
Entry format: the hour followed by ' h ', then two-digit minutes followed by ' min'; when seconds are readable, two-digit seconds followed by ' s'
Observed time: 10 h 36 min
